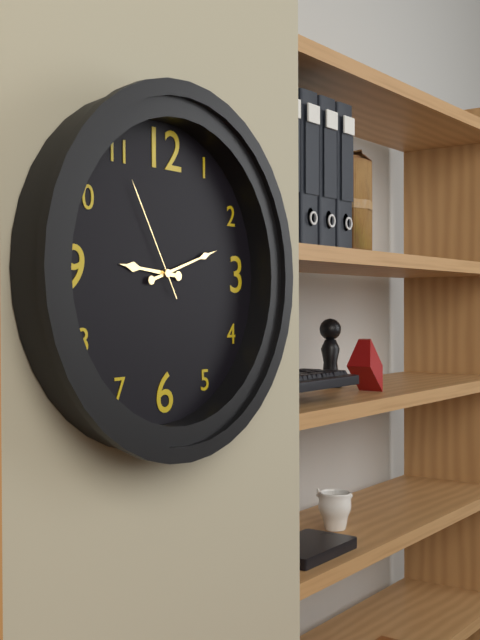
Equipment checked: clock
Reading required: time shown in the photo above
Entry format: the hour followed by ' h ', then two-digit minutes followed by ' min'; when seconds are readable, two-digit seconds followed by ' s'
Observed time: 9 h 12 min 55 s
